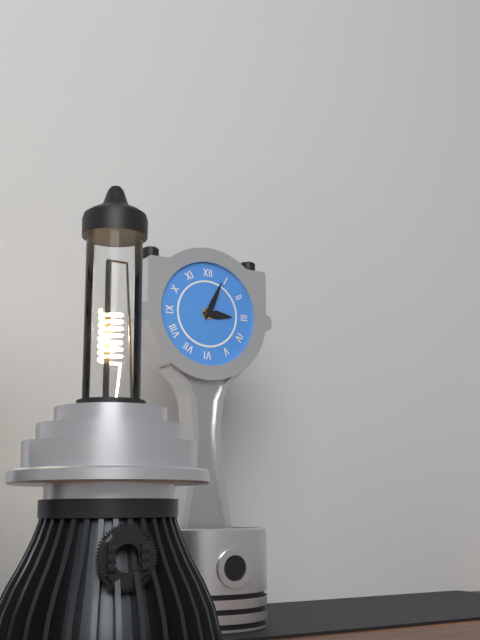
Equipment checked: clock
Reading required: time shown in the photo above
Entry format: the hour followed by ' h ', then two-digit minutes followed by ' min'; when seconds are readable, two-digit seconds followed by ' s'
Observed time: 3 h 04 min
